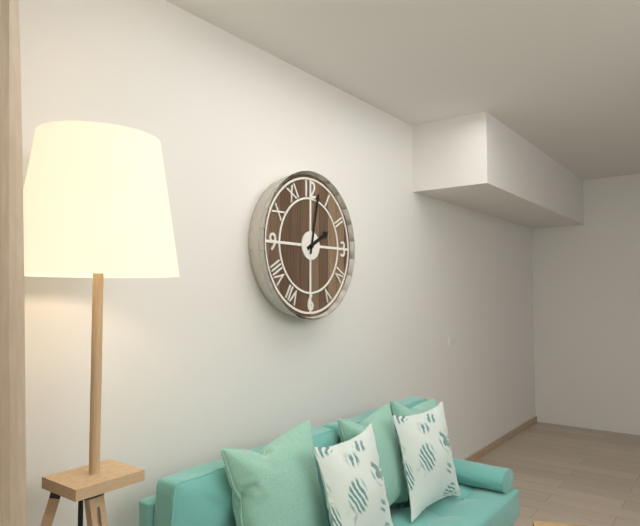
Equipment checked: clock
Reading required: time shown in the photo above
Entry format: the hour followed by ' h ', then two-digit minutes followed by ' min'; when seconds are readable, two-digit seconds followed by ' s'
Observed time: 2 h 02 min
